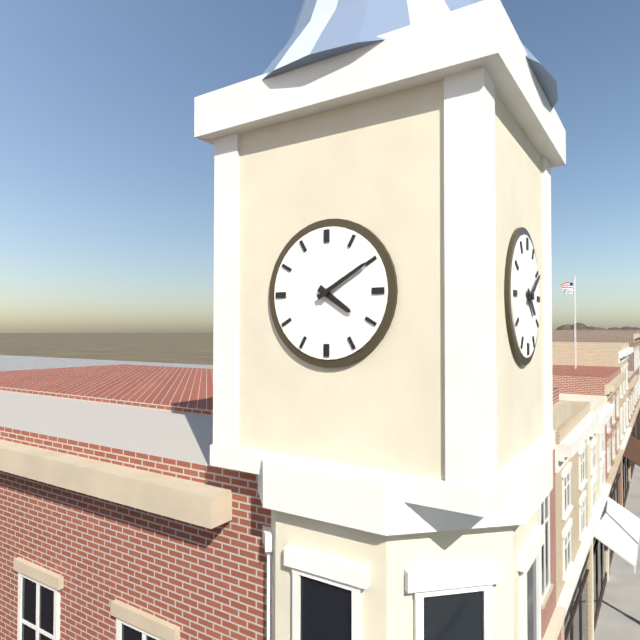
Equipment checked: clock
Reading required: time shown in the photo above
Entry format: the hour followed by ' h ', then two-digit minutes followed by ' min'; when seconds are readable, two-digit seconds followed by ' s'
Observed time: 4 h 10 min
